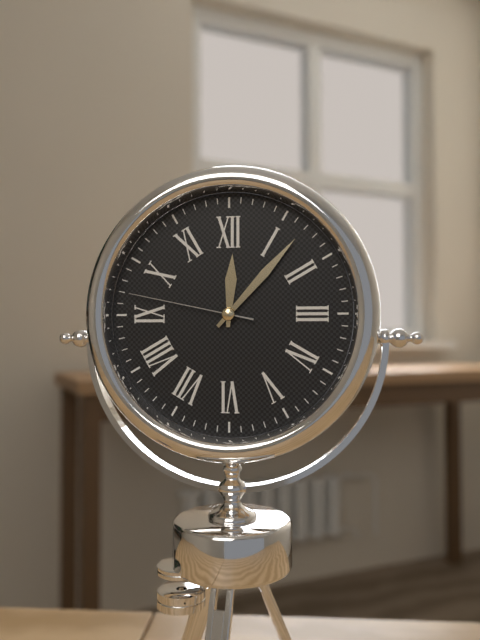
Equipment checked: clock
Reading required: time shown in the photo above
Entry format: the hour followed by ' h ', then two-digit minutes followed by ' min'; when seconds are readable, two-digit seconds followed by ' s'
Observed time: 12 h 07 min 47 s
